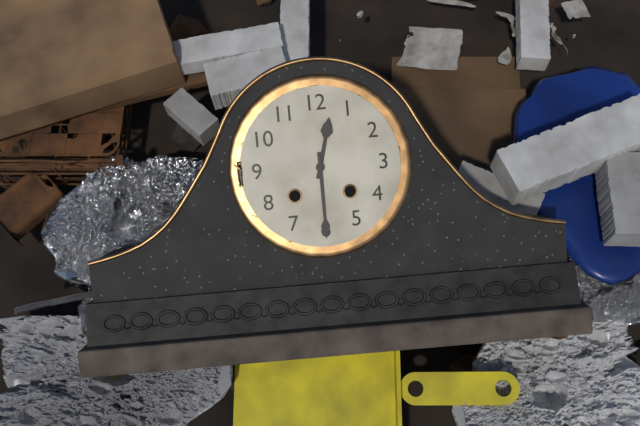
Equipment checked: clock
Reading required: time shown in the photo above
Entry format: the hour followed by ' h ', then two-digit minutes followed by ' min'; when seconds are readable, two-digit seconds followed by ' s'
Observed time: 12 h 30 min
